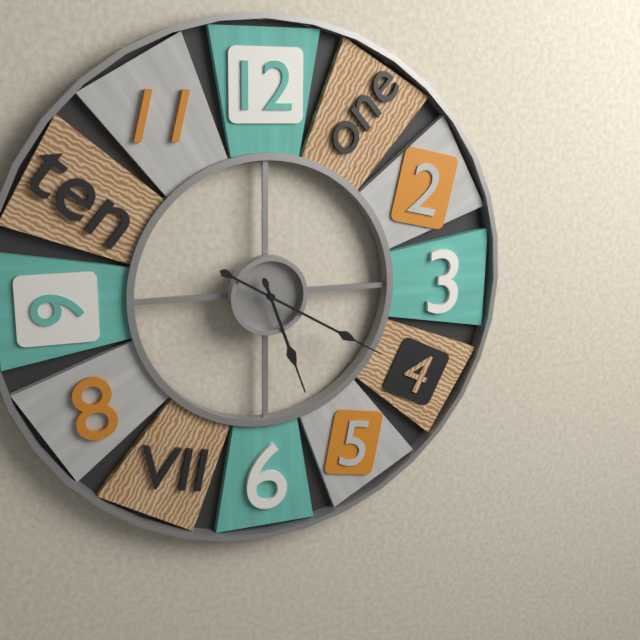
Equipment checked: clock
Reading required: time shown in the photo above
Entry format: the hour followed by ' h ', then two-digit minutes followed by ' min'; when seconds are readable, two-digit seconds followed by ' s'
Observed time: 5 h 20 min
